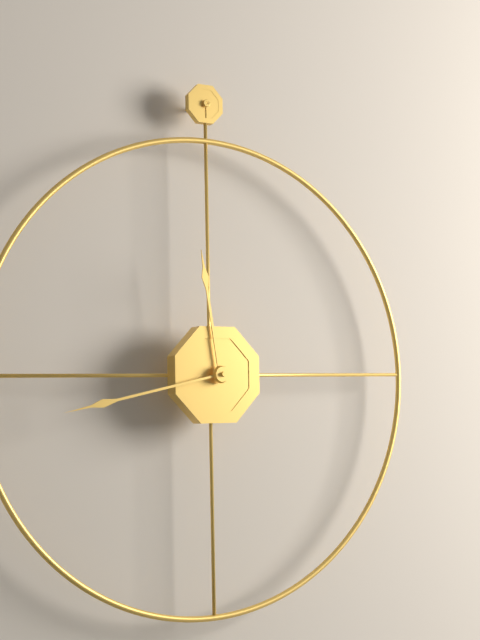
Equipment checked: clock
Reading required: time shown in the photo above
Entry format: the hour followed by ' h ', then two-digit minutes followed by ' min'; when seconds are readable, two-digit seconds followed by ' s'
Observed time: 11 h 43 min
